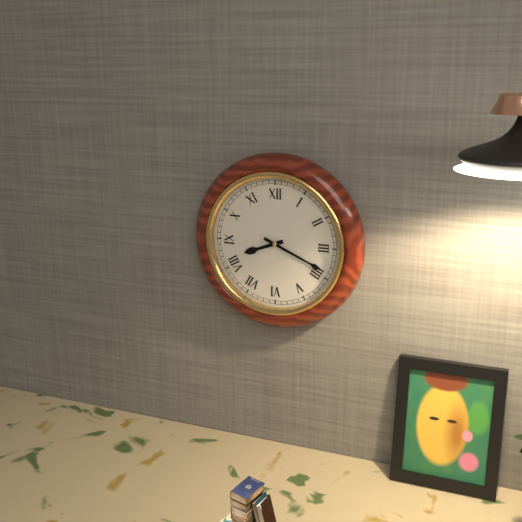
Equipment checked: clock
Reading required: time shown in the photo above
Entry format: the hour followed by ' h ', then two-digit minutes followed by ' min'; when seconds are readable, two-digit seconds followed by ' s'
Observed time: 8 h 19 min
